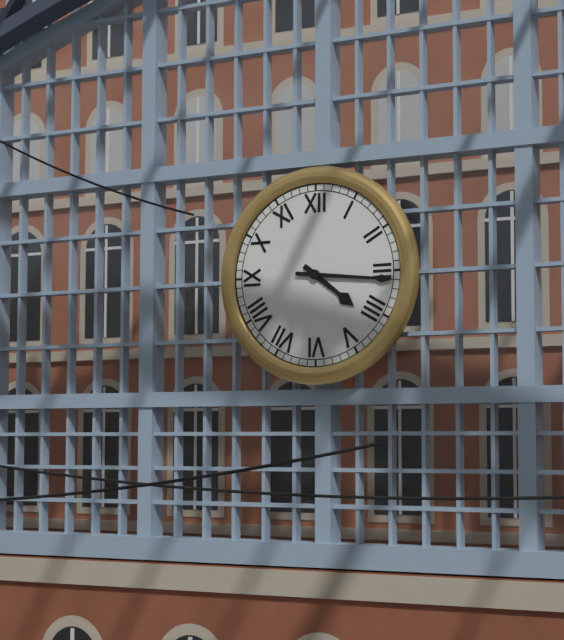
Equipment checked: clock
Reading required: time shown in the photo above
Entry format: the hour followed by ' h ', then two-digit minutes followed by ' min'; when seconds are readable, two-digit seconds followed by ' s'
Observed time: 4 h 16 min
